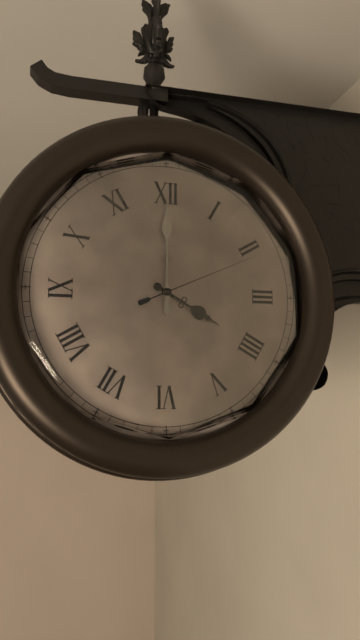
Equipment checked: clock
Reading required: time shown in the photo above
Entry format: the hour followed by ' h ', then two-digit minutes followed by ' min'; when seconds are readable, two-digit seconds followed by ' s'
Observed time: 4 h 00 min 11 s
